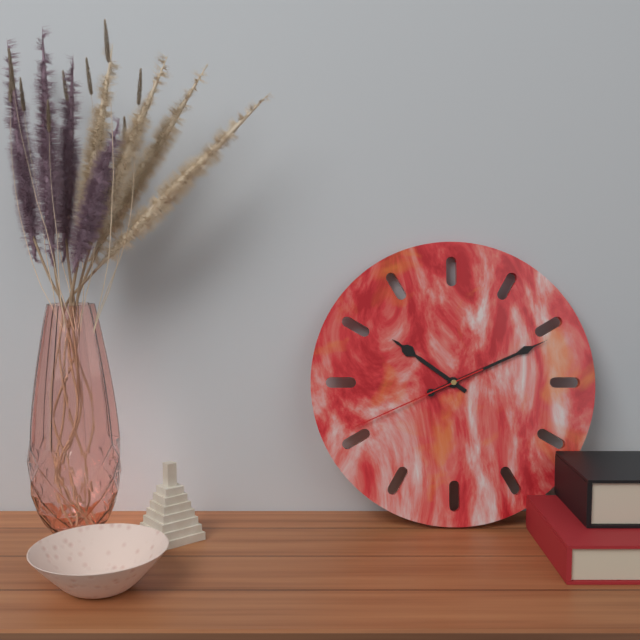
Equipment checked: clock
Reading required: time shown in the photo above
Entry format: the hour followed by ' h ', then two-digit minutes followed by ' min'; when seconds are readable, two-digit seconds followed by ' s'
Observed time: 10 h 11 min 41 s
